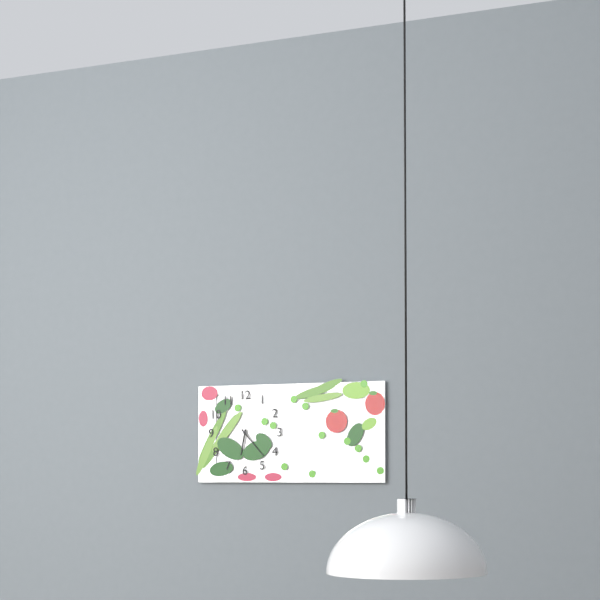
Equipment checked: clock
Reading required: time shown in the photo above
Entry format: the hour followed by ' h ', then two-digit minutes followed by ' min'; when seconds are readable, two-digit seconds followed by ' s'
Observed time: 6 h 23 min
